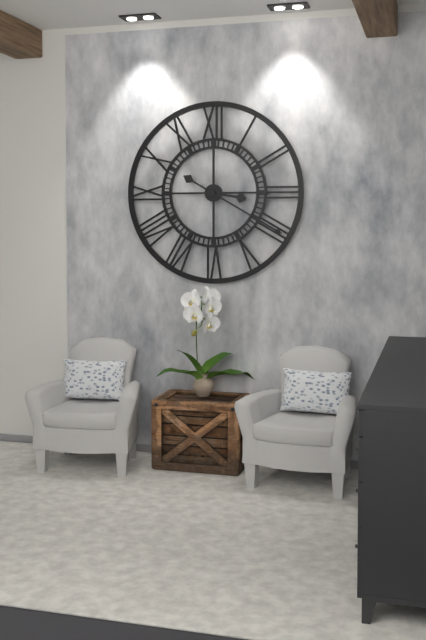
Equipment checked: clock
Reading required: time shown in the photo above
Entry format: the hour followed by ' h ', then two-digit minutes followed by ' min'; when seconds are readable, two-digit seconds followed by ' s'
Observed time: 3 h 20 min
